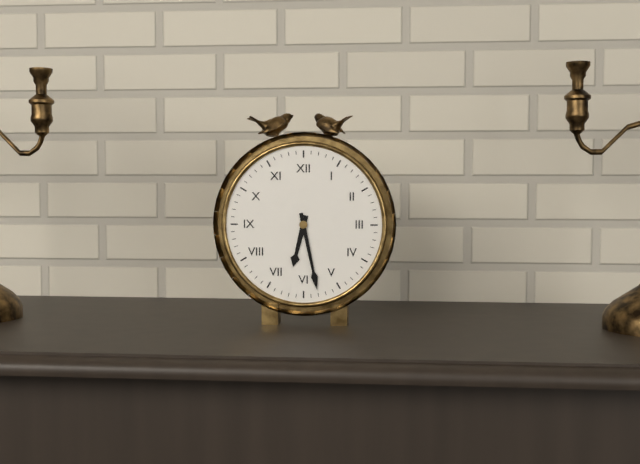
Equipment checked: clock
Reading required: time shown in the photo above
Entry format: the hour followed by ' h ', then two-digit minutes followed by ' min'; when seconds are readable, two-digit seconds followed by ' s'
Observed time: 6 h 28 min
